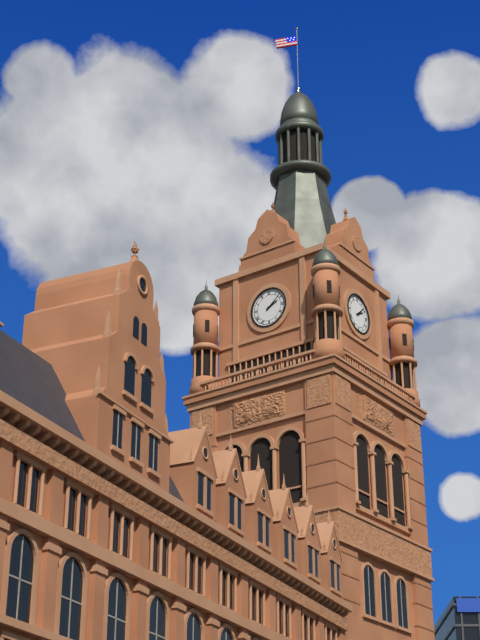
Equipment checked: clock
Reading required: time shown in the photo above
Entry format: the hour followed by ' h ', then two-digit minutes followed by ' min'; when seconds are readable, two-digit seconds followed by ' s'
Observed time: 2 h 08 min
